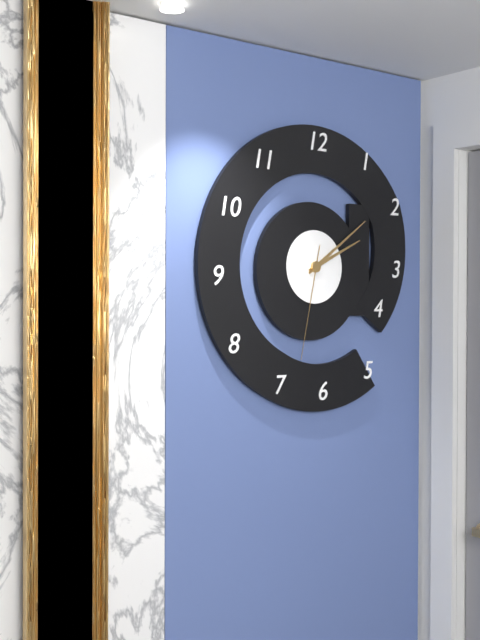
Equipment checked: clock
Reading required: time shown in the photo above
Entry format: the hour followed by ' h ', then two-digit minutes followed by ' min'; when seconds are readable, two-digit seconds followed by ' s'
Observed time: 2 h 09 min 32 s
